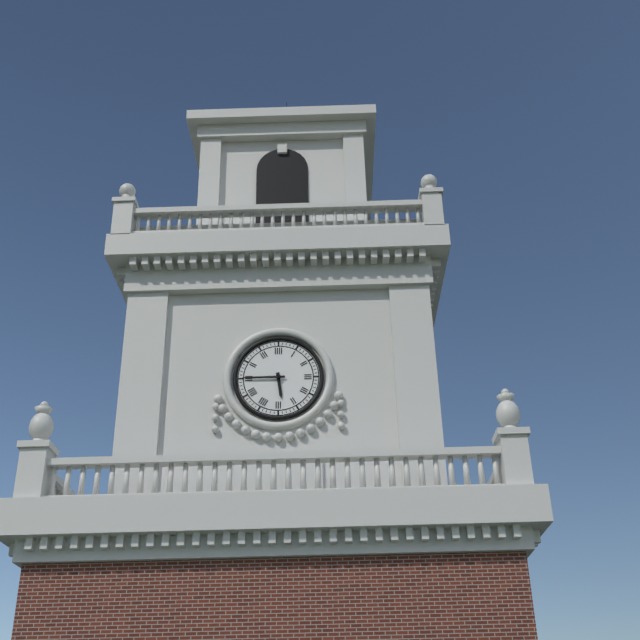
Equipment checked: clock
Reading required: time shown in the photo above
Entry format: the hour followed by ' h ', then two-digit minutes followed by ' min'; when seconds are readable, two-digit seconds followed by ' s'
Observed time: 5 h 45 min
